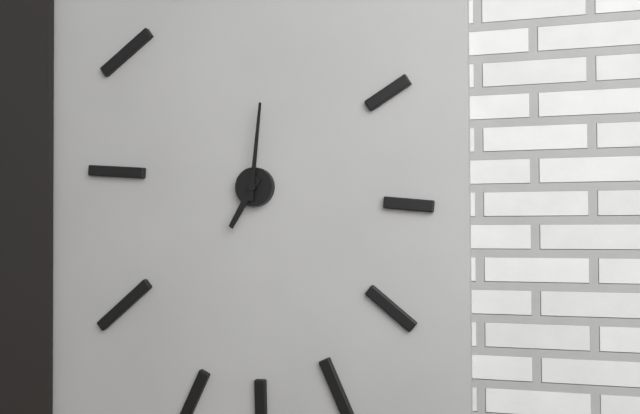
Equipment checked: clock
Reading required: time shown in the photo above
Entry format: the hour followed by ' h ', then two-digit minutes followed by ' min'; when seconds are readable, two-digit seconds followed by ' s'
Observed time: 7 h 01 min
